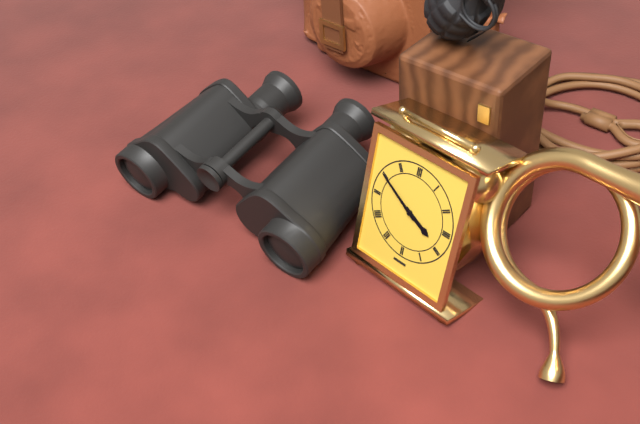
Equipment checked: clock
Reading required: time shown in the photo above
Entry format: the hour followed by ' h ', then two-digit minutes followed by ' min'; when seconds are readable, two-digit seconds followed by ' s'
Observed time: 3 h 50 min
